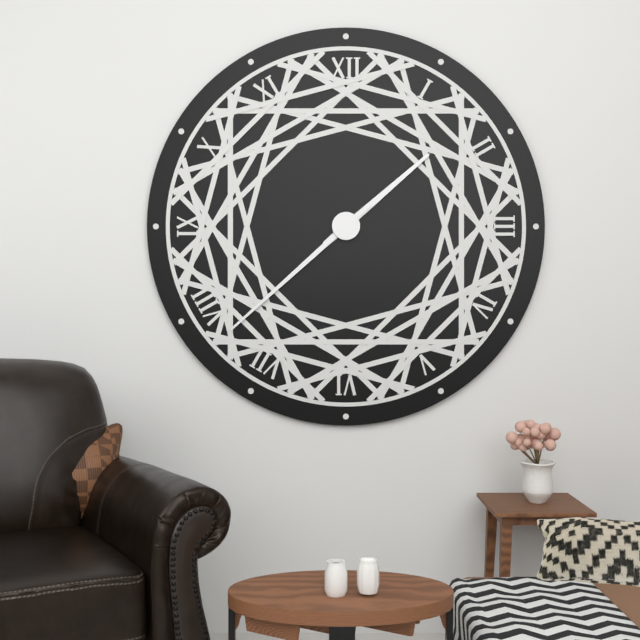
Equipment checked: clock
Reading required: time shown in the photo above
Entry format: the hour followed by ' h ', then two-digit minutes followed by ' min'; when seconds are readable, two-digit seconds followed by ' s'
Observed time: 1 h 38 min
